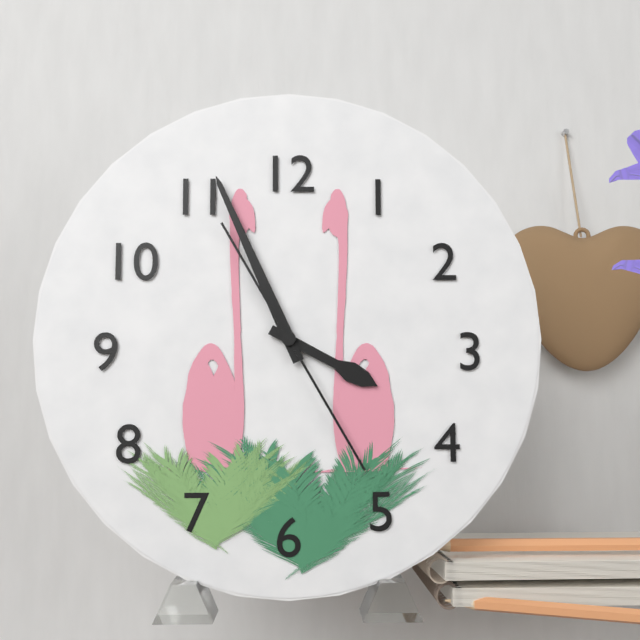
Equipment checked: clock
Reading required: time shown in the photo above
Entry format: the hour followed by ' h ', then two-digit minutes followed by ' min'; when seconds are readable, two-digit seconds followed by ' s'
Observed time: 3 h 56 min 25 s
